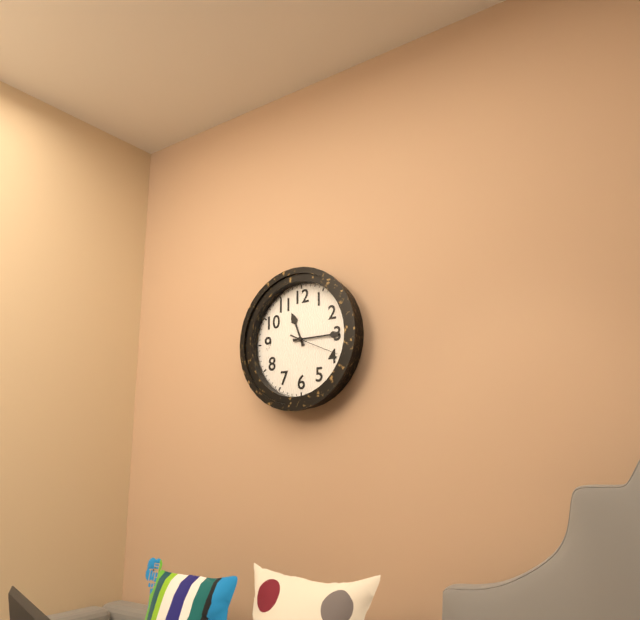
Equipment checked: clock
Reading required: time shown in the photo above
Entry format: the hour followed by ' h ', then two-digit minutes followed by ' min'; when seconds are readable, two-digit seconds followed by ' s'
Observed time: 11 h 15 min 19 s
